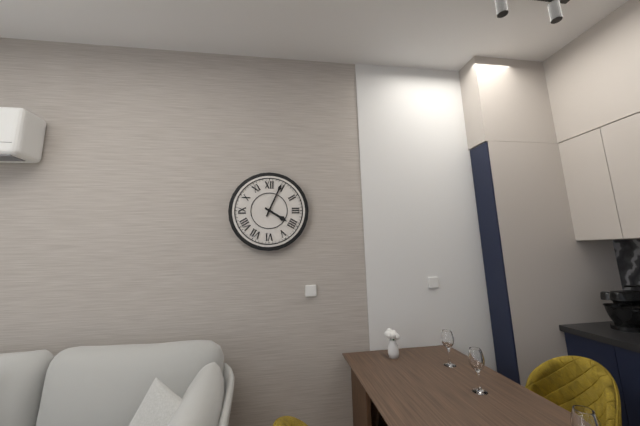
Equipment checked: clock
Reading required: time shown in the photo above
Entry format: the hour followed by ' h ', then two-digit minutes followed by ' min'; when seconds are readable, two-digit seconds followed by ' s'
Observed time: 4 h 04 min
